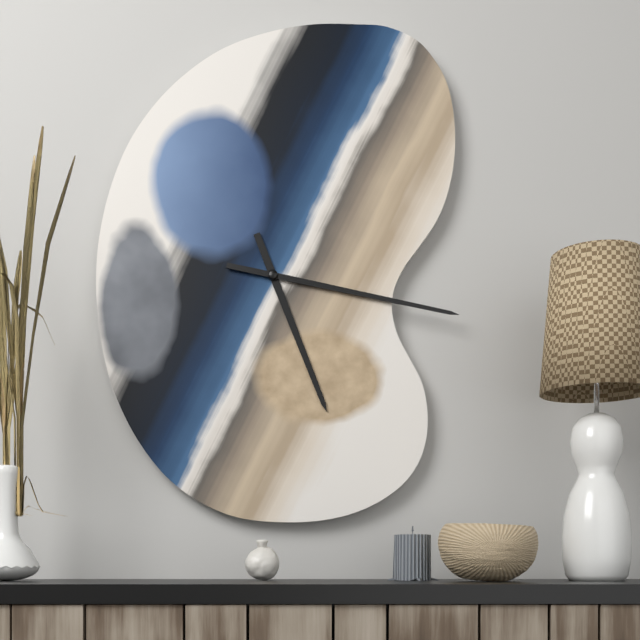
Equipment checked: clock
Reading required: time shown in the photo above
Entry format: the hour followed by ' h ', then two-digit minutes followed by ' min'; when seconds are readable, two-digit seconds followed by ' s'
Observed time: 5 h 17 min
